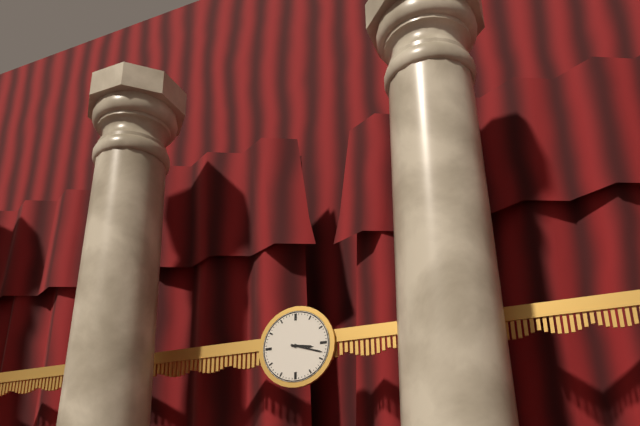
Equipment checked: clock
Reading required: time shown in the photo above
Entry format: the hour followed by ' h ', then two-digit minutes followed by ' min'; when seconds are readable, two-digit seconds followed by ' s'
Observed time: 3 h 18 min
